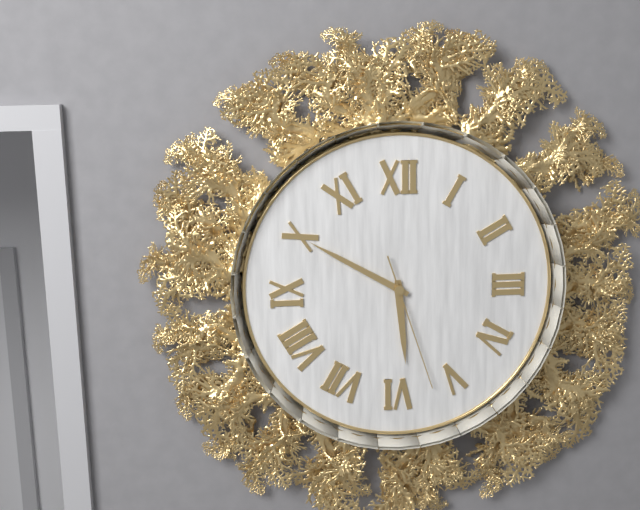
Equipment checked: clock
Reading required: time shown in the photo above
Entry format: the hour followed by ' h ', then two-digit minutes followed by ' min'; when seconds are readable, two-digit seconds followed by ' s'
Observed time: 5 h 50 min 27 s
